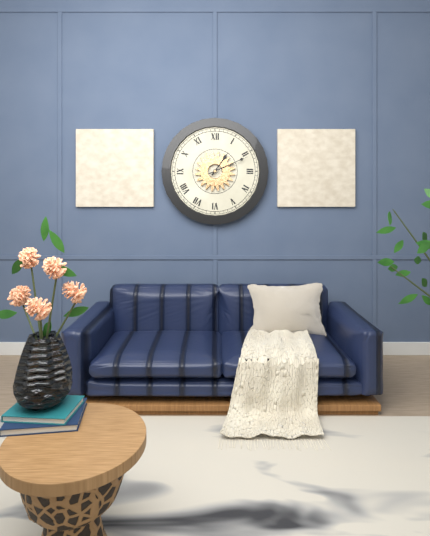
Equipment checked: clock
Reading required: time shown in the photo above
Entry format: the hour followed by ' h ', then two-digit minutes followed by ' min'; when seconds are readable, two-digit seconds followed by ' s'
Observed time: 1 h 11 min
